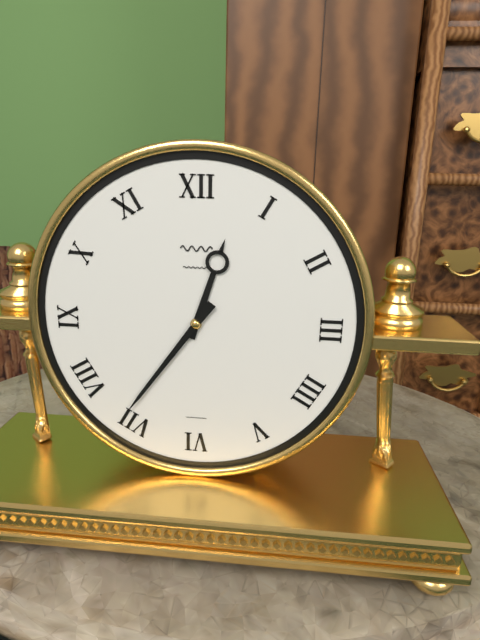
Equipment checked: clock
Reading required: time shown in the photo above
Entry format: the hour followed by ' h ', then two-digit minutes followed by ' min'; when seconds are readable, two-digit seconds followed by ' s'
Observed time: 12 h 36 min
